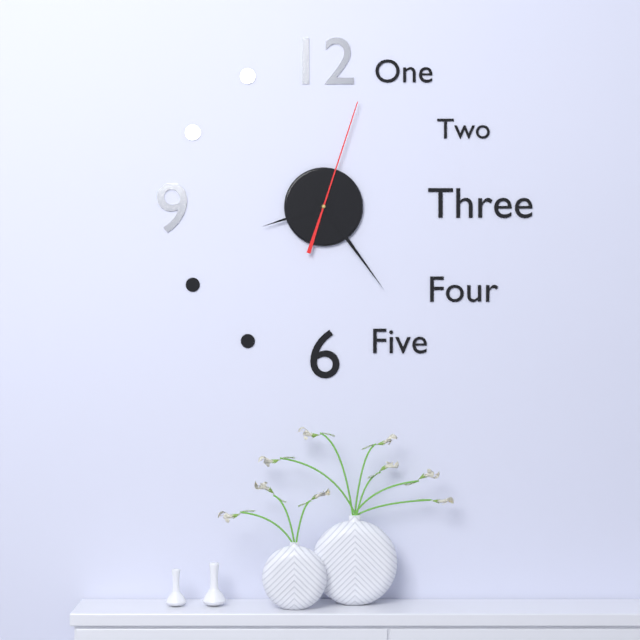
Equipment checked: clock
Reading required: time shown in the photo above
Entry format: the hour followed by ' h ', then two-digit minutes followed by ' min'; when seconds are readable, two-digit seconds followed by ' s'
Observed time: 8 h 24 min 03 s
